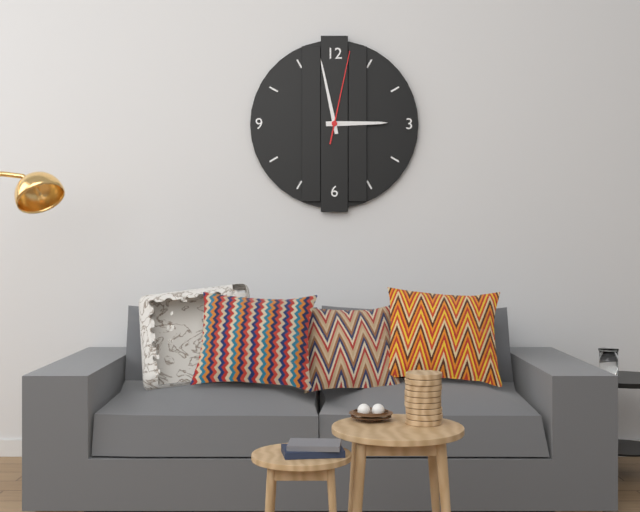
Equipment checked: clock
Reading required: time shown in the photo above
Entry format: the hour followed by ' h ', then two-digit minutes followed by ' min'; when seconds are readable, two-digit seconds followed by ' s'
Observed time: 2 h 58 min 02 s
